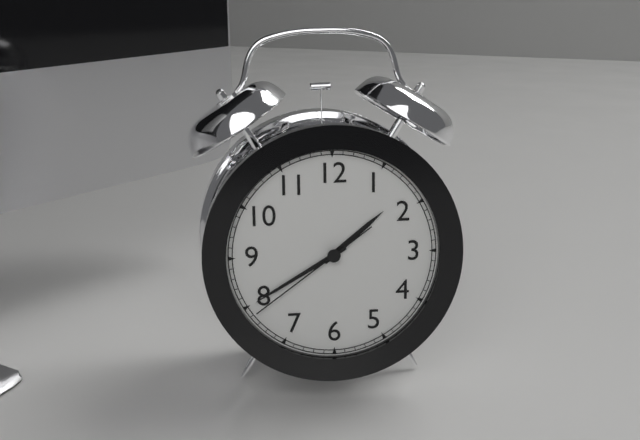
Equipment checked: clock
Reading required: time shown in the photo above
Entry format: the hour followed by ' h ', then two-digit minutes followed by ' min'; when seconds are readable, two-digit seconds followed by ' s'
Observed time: 1 h 40 min 39 s
